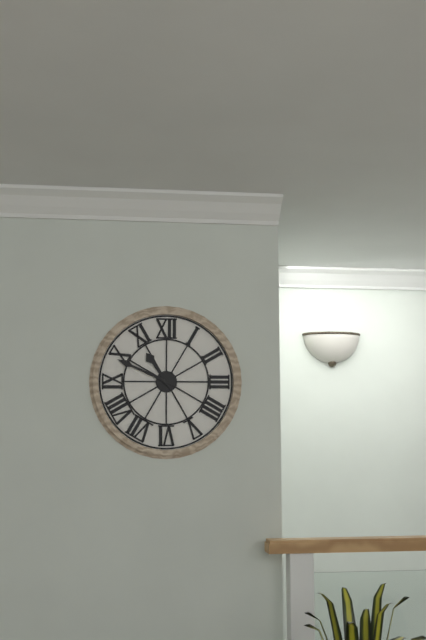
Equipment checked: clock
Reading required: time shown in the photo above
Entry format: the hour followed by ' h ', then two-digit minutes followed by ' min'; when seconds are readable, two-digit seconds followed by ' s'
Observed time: 10 h 49 min
